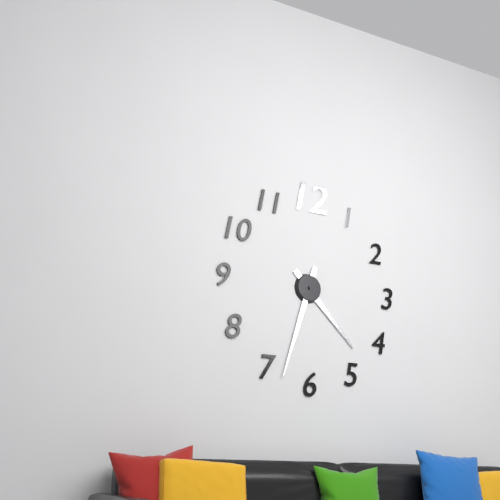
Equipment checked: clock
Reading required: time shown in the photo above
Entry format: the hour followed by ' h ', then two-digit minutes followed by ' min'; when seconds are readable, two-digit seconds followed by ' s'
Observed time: 4 h 33 min
